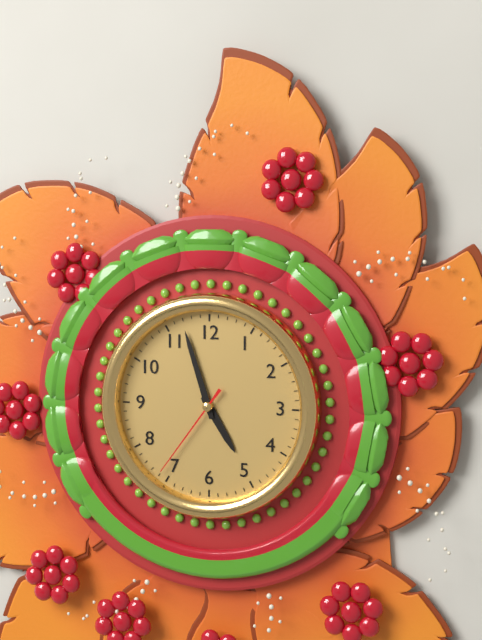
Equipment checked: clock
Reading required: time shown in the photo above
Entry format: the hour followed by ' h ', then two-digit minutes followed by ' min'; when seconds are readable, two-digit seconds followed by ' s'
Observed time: 4 h 57 min 36 s
